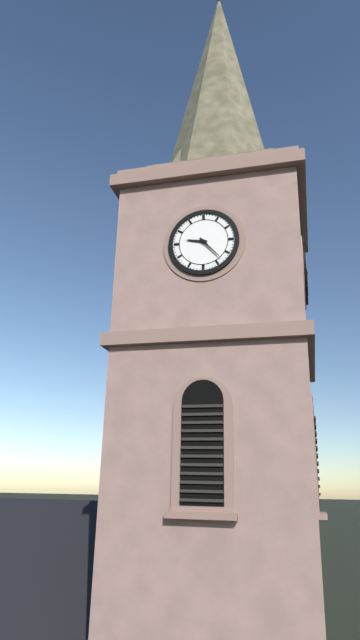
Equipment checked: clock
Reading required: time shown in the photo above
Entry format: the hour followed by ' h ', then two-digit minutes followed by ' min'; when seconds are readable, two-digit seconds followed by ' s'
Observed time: 9 h 23 min
